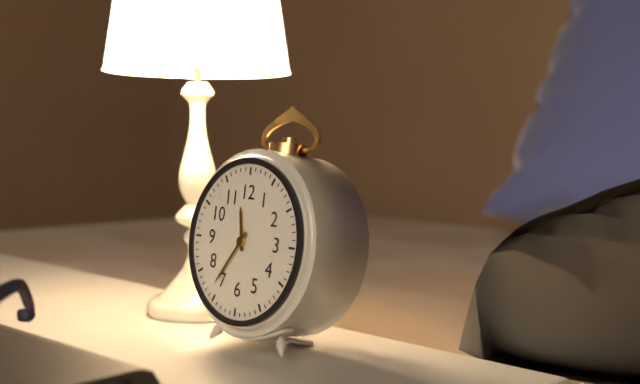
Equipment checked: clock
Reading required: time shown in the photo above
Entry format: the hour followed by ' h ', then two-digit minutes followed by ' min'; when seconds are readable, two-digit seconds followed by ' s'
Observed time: 11 h 36 min
